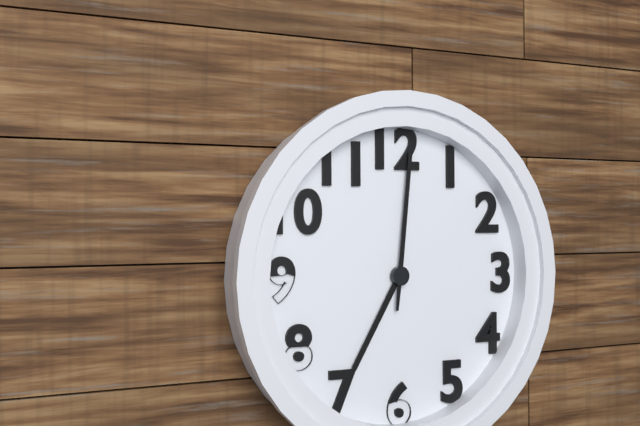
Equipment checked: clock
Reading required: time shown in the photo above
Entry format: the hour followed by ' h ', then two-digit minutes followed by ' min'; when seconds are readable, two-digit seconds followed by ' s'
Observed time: 7 h 01 min
